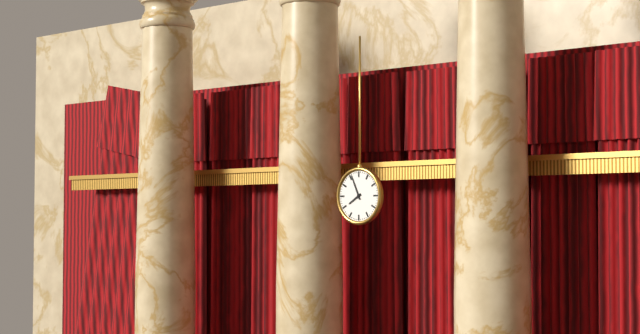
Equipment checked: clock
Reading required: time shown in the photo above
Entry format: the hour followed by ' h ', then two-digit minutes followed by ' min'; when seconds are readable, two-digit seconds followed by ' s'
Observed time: 7 h 56 min
